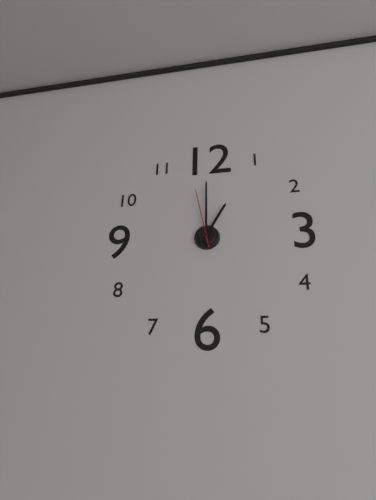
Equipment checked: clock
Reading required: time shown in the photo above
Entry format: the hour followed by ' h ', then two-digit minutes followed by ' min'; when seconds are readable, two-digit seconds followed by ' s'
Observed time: 1 h 00 min 58 s
